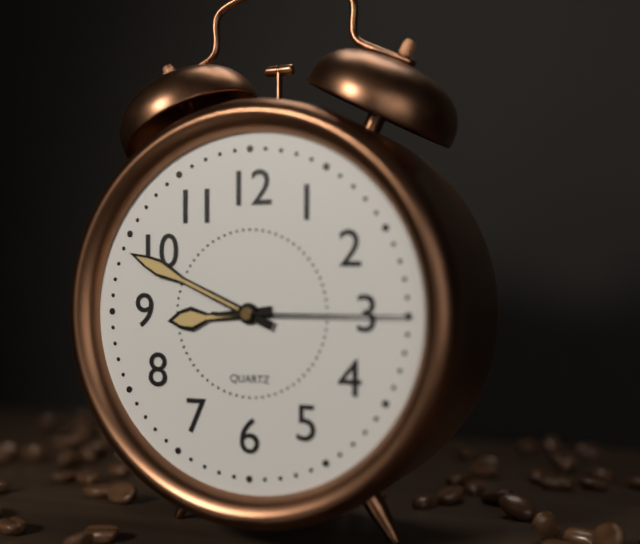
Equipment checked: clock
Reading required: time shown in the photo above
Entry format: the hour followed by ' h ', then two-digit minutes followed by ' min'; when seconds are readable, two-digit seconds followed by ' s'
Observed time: 8 h 49 min 15 s
